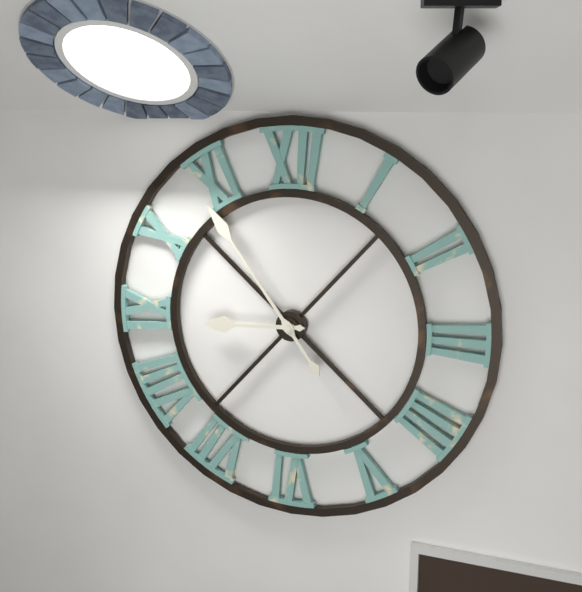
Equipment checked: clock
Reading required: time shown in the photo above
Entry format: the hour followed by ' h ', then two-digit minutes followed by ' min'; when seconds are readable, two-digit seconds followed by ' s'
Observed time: 8 h 54 min
